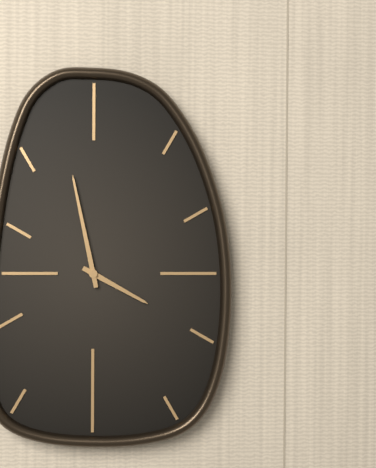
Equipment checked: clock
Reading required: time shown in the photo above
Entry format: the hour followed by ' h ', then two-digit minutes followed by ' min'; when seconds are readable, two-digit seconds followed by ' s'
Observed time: 3 h 58 min
